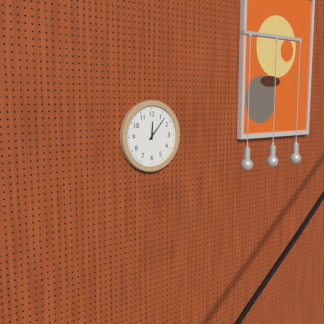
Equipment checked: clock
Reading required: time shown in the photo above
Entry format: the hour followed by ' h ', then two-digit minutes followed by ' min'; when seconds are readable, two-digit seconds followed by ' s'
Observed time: 12 h 07 min
